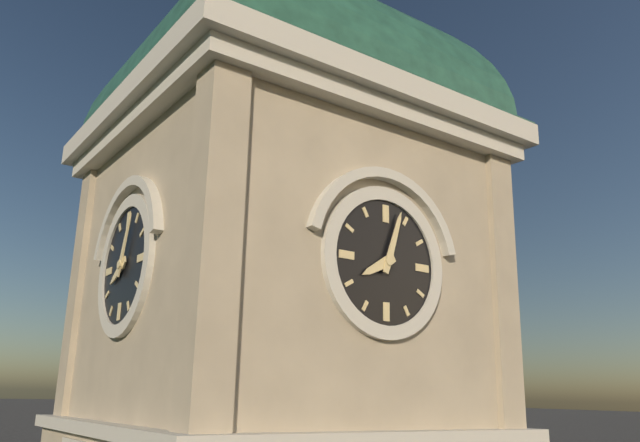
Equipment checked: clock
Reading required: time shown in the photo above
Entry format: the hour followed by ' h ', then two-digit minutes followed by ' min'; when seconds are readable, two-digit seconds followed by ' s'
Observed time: 8 h 03 min
